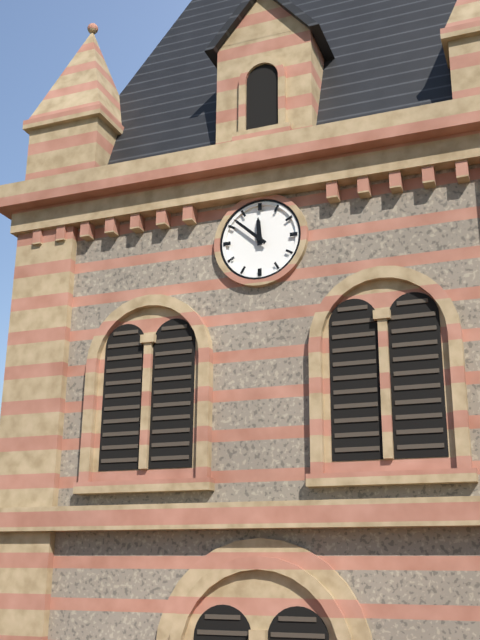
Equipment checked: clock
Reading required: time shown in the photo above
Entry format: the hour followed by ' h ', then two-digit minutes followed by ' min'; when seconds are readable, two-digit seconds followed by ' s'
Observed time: 11 h 52 min
